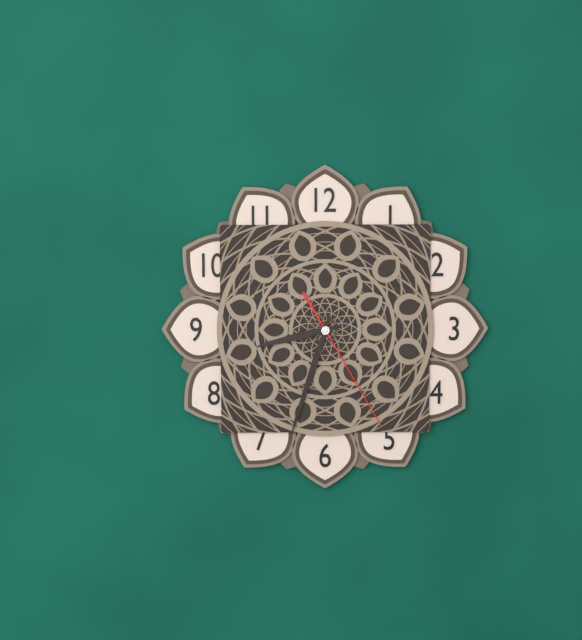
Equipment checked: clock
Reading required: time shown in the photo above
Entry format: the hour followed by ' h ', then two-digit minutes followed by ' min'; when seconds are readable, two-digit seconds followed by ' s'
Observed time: 8 h 33 min 25 s
